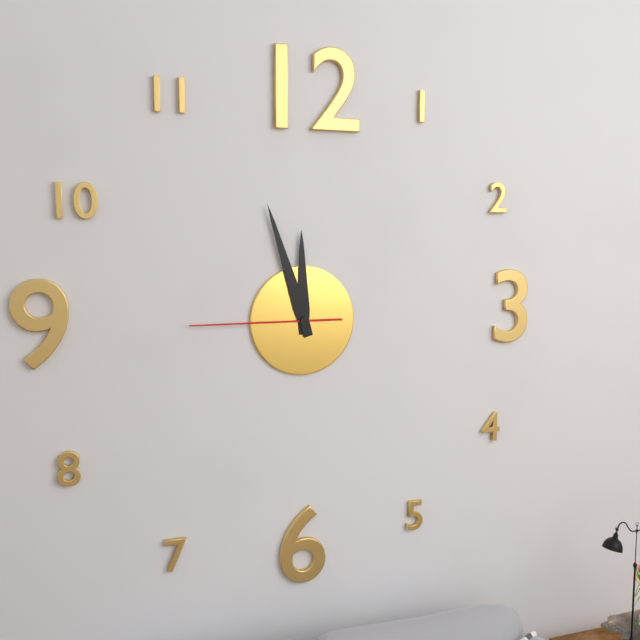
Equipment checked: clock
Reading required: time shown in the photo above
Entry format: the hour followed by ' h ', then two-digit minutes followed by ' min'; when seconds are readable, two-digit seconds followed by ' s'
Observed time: 11 h 57 min 45 s
